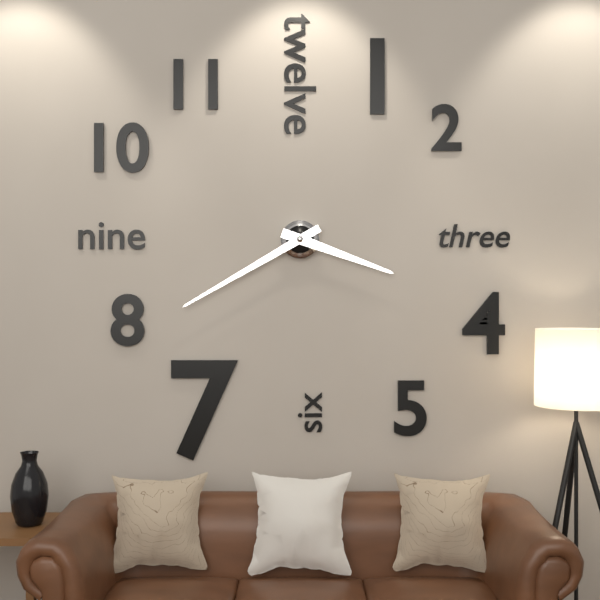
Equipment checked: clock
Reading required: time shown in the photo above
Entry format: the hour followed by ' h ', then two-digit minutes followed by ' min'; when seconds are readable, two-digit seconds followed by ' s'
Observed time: 3 h 40 min
